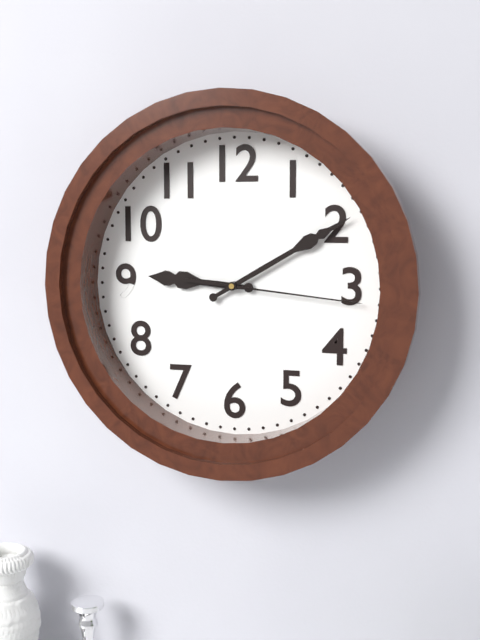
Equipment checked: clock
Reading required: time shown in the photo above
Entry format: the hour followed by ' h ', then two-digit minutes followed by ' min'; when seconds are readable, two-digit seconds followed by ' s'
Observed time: 9 h 10 min 16 s
